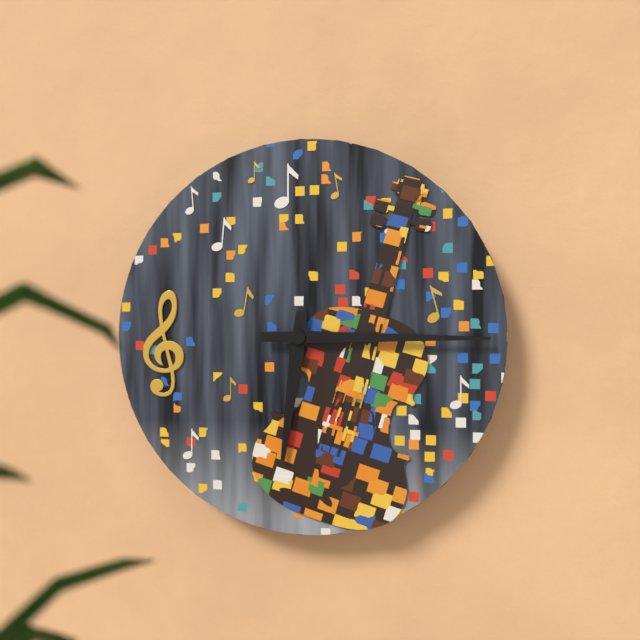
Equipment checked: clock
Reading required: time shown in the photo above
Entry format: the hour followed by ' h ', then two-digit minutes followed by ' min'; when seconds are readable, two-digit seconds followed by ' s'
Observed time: 6 h 15 min
